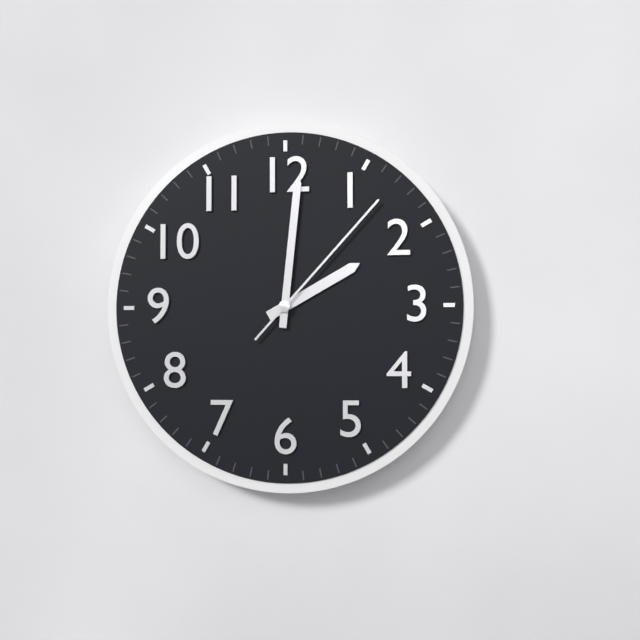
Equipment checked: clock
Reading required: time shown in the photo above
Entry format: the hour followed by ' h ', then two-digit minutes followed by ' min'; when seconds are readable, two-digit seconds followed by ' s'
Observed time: 2 h 01 min 07 s
